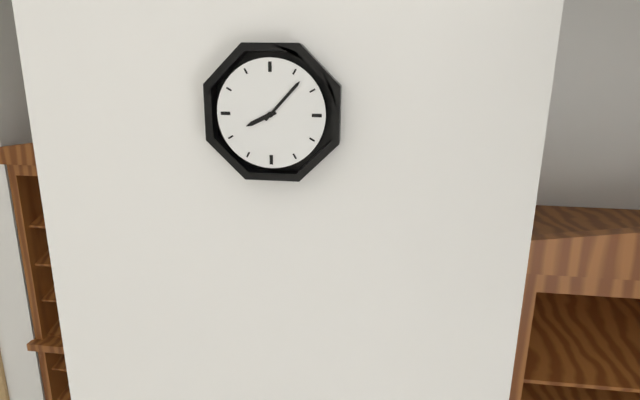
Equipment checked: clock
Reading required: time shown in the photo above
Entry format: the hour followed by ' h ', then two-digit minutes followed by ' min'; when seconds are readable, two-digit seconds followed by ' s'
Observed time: 8 h 07 min
